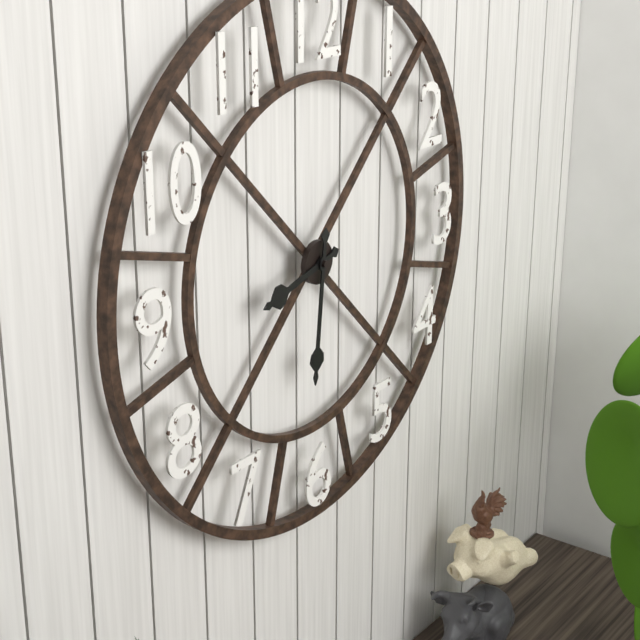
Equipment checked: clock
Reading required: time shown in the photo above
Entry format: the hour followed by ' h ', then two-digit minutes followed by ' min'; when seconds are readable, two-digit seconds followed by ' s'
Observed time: 8 h 31 min
